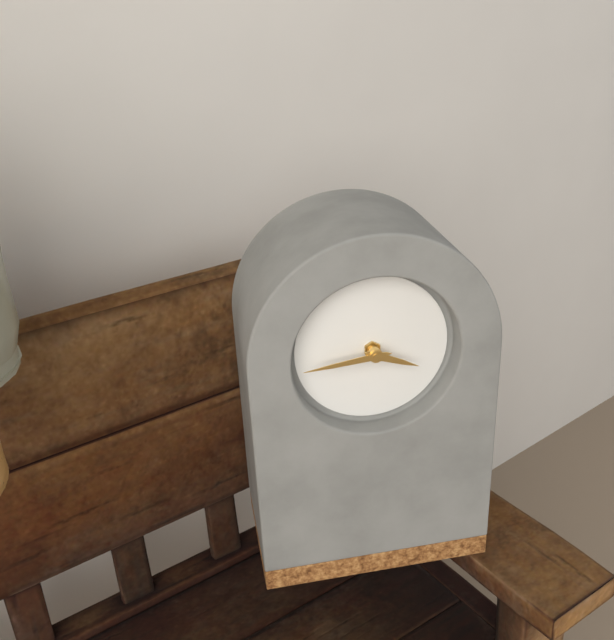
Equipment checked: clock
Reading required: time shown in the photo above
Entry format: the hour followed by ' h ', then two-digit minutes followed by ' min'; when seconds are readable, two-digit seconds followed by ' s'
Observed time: 3 h 44 min
